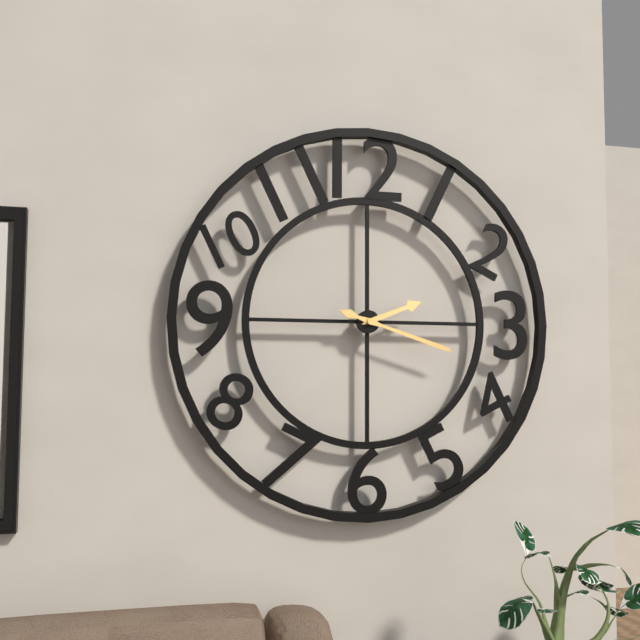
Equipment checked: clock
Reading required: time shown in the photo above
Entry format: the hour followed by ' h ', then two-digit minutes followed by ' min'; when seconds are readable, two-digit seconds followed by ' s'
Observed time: 2 h 18 min
